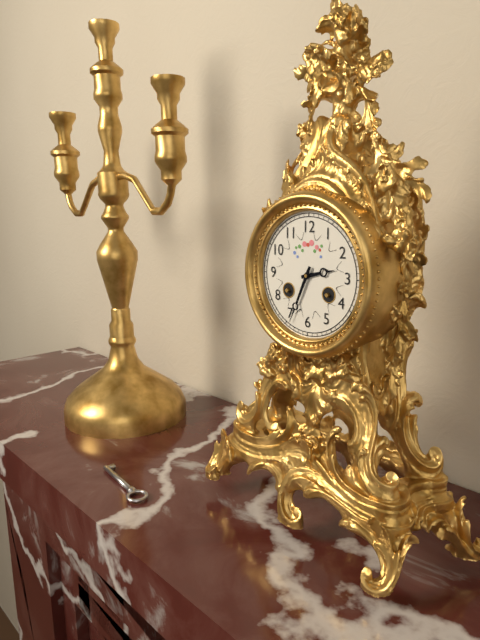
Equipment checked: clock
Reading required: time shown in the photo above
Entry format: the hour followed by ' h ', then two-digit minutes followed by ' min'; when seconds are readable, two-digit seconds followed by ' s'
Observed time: 2 h 34 min
